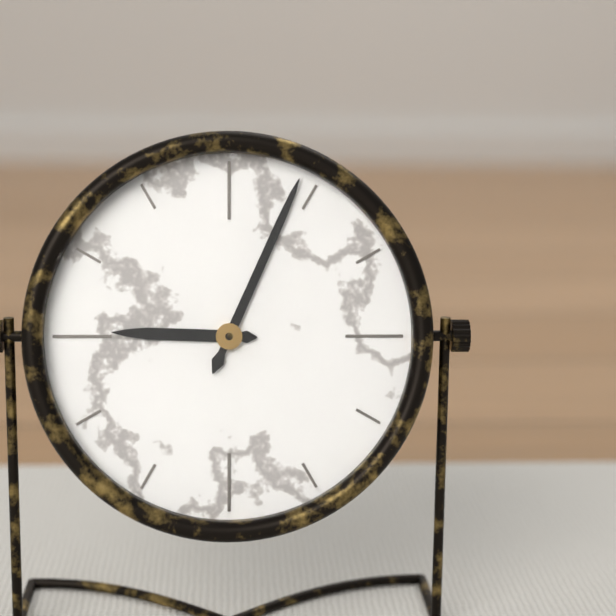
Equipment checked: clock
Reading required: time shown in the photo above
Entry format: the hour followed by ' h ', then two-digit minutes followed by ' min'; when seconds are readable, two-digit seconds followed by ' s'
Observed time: 9 h 04 min
